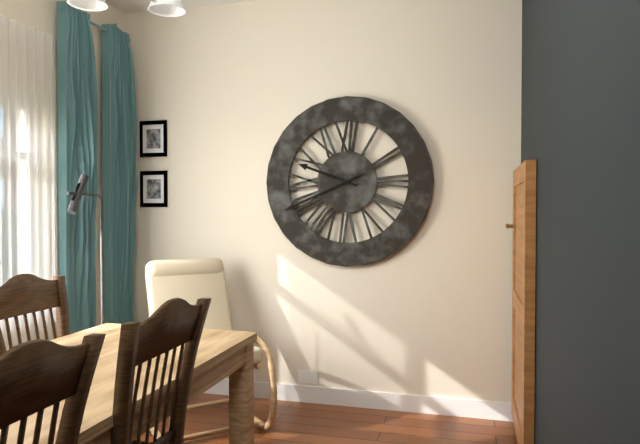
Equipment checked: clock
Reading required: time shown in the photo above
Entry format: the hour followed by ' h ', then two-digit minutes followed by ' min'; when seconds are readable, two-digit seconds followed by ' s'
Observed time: 9 h 41 min
